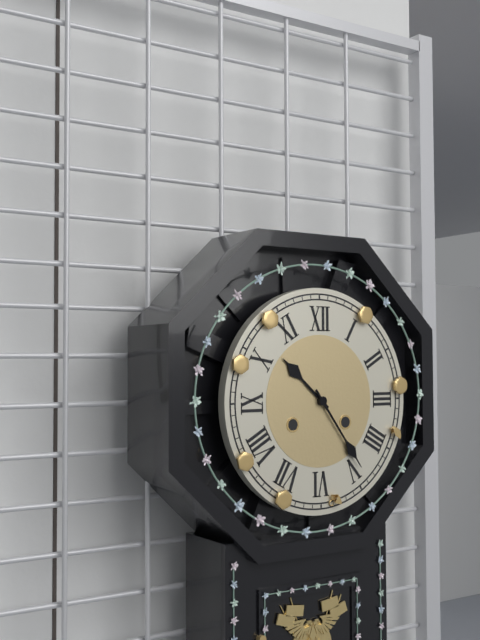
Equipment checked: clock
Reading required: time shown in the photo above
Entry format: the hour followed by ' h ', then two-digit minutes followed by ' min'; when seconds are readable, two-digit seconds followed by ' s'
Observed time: 10 h 24 min
